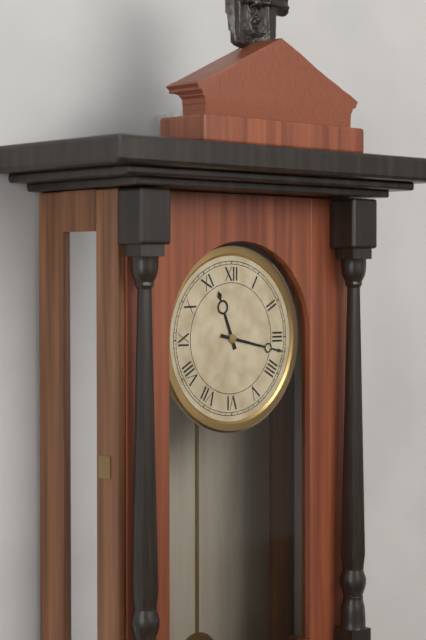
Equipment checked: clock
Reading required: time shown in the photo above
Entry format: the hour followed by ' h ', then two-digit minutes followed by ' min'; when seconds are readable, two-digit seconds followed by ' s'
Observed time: 11 h 17 min
